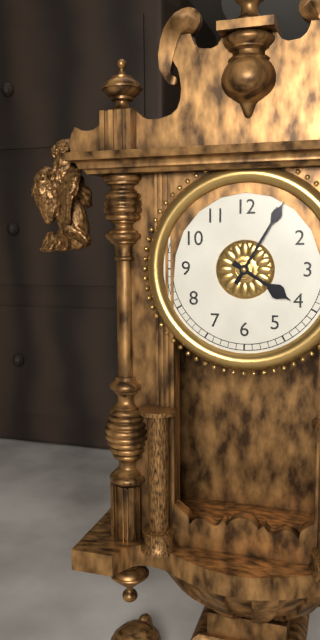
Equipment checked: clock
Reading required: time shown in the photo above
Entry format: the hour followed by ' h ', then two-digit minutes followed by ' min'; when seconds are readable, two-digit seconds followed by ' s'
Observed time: 4 h 05 min
